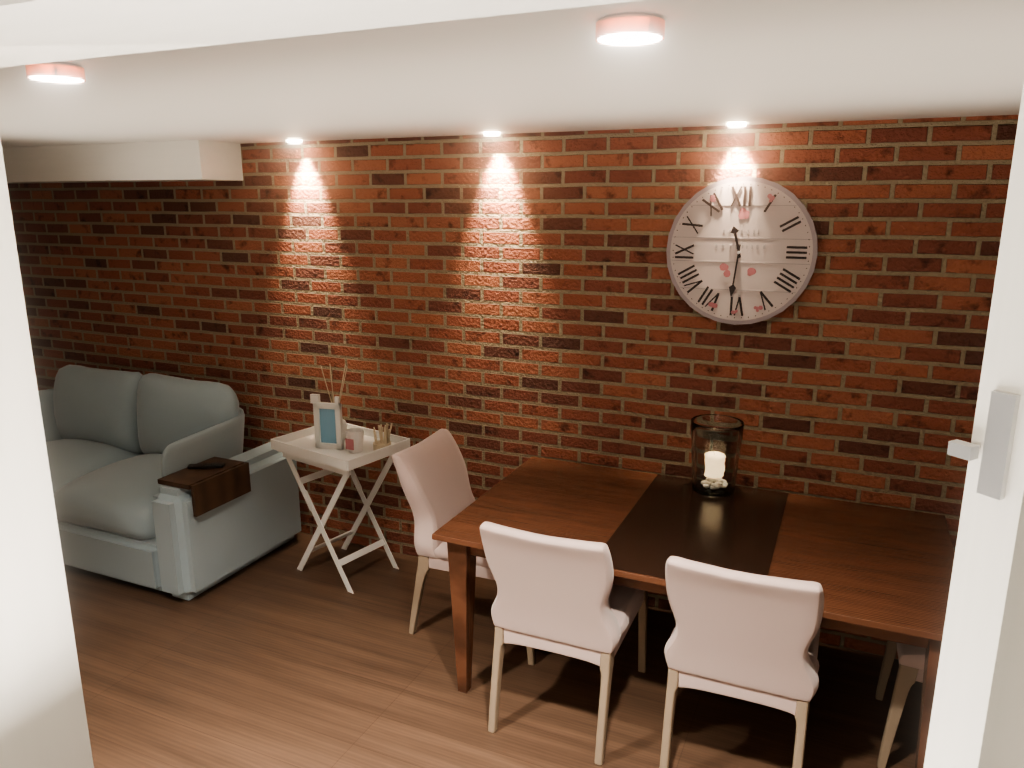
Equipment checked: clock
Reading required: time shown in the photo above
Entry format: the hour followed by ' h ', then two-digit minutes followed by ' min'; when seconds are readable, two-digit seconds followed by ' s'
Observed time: 11 h 31 min
